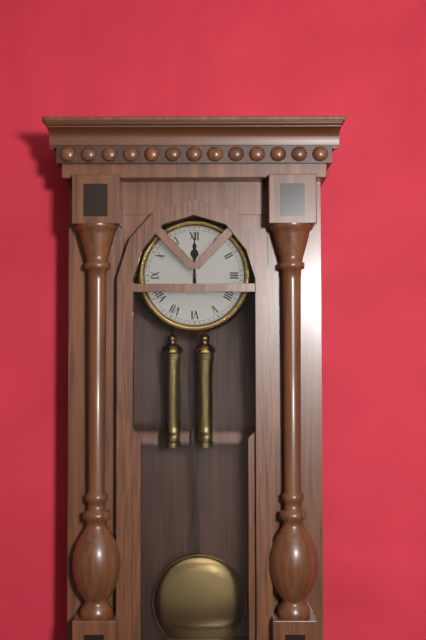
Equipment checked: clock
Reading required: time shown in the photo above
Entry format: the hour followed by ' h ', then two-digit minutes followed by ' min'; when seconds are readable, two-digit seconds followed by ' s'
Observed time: 12 h 00 min
